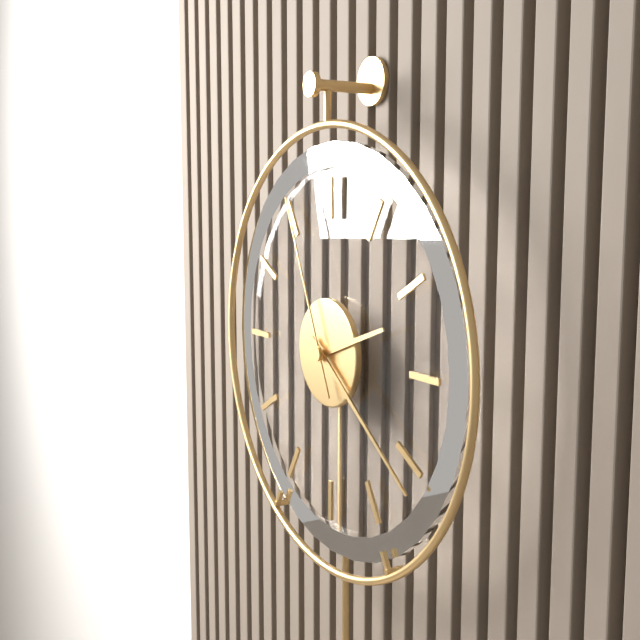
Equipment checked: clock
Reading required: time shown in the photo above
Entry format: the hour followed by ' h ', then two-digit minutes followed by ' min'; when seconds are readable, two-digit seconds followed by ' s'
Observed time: 2 h 21 min 56 s
